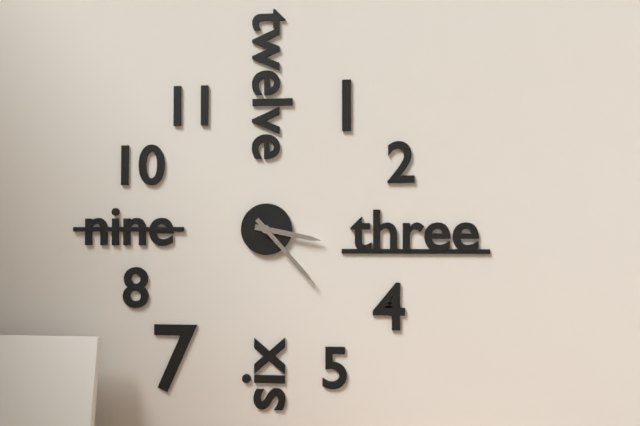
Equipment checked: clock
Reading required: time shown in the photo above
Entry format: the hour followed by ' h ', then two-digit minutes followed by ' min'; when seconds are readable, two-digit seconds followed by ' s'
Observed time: 3 h 23 min
